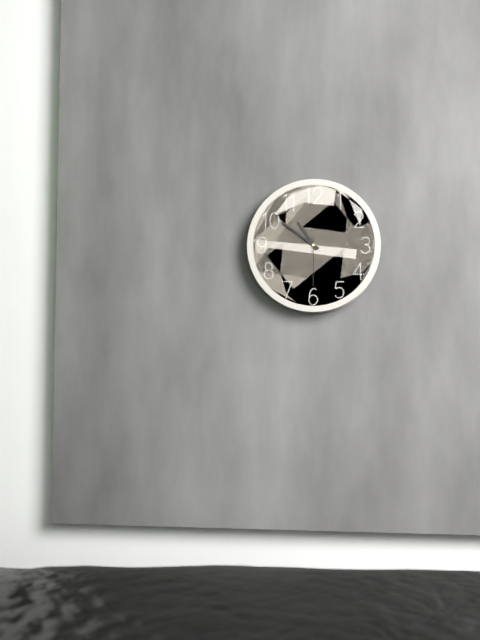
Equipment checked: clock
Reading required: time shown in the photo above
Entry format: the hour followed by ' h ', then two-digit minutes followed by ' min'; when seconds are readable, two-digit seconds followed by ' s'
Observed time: 10 h 51 min 30 s
